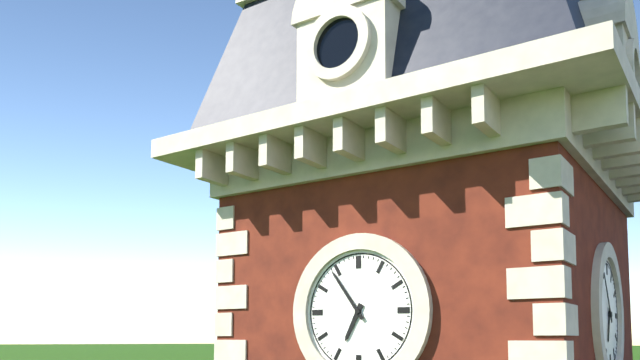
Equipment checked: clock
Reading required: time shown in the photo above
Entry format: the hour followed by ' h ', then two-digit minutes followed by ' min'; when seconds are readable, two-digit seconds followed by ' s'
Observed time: 6 h 54 min
